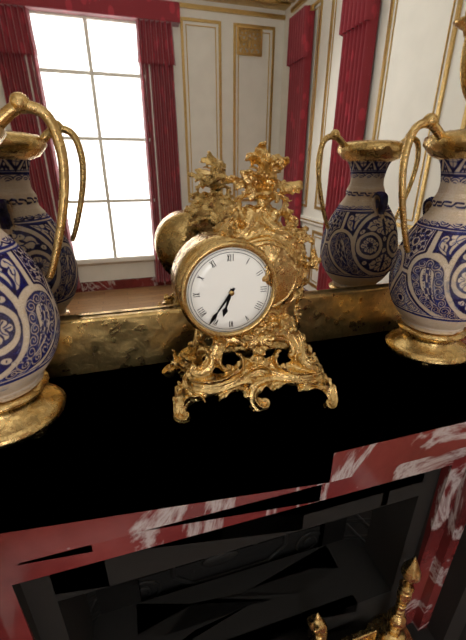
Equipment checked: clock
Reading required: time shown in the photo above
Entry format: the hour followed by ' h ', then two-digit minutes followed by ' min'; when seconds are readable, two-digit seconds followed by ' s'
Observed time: 6 h 36 min
